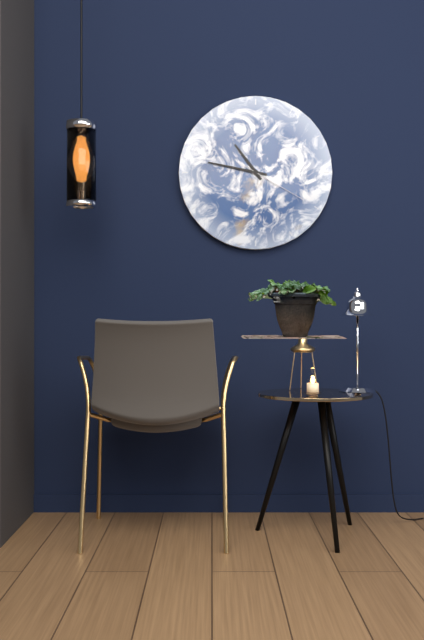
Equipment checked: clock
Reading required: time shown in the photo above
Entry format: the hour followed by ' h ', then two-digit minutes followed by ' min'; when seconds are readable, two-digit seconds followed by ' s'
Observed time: 10 h 47 min 20 s
